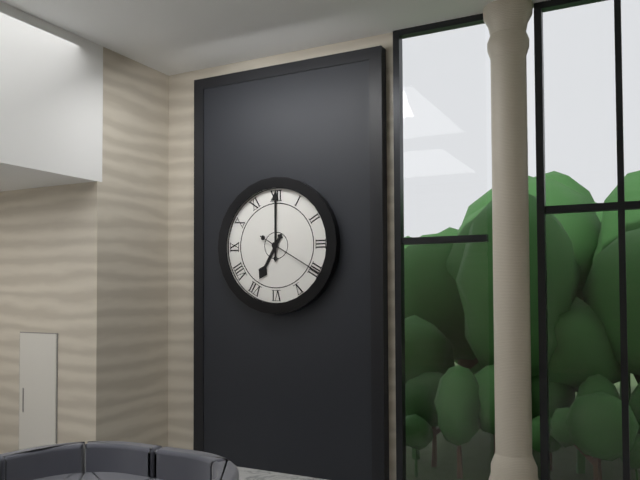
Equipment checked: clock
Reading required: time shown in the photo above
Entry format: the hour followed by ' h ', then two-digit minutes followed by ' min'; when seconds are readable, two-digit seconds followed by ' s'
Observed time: 7 h 00 min 20 s
